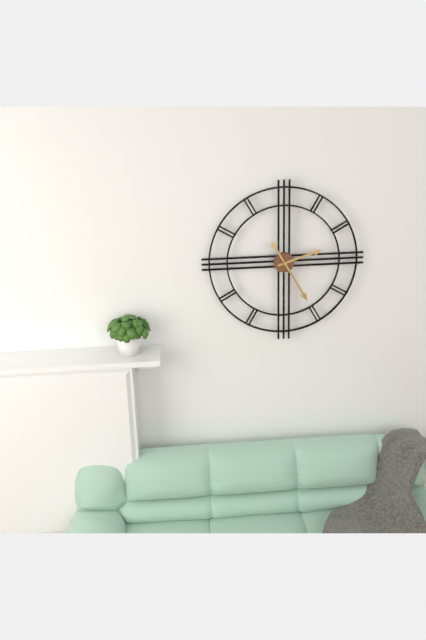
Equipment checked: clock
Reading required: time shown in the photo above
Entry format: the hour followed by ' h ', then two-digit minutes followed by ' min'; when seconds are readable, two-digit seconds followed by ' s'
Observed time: 2 h 25 min
